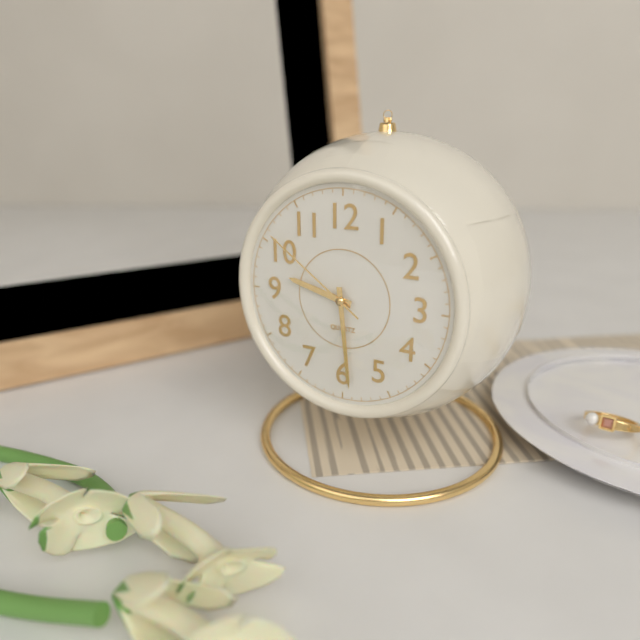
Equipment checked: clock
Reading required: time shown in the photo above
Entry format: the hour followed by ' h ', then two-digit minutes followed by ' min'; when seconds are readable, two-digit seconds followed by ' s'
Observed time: 9 h 29 min 51 s
